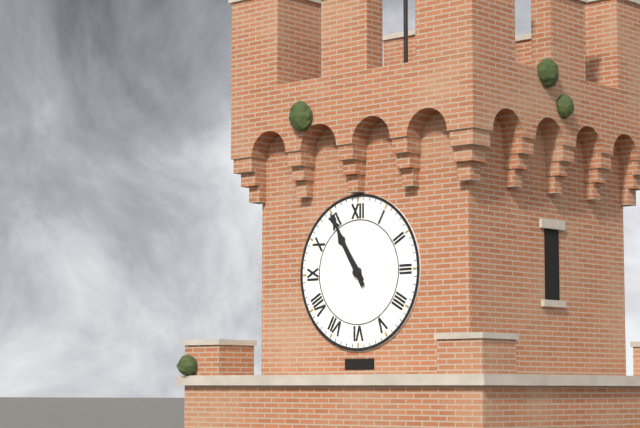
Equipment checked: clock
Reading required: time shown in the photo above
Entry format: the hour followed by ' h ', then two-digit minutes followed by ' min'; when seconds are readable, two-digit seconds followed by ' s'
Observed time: 10 h 55 min
